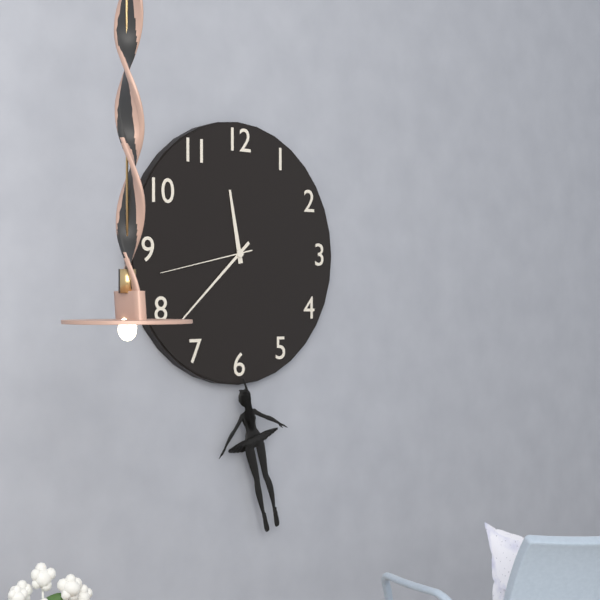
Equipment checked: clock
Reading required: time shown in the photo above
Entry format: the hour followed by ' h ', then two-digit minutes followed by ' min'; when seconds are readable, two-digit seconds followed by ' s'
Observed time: 11 h 38 min 43 s
